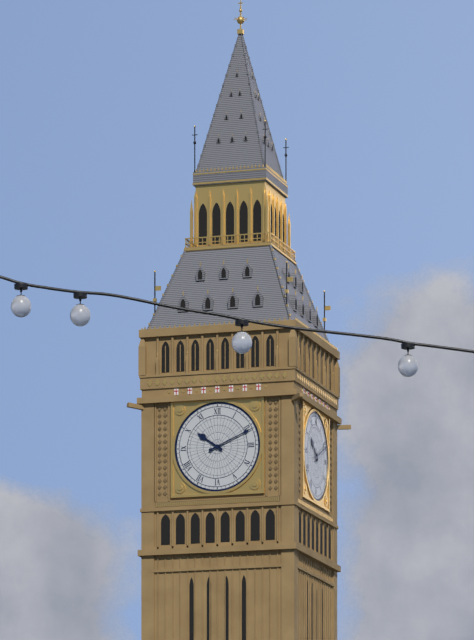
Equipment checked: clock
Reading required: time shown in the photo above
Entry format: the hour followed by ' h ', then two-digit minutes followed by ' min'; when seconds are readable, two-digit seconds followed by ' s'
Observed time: 10 h 11 min
